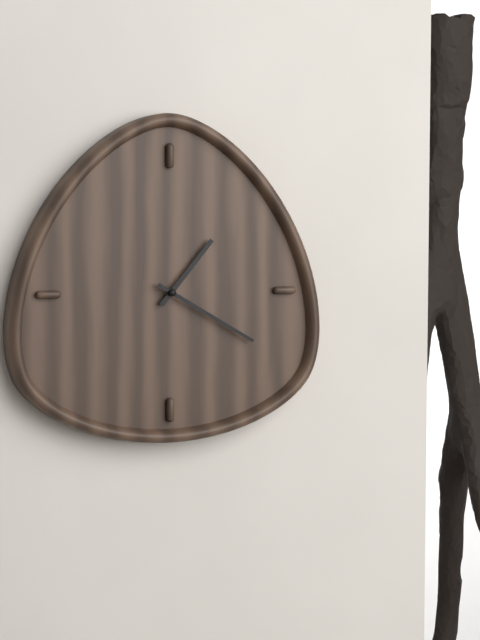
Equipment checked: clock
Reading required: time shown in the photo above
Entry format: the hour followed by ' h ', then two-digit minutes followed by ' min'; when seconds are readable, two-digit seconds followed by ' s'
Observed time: 1 h 20 min
